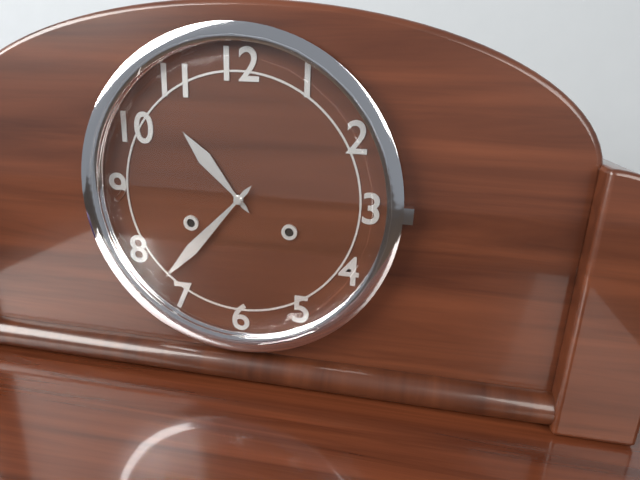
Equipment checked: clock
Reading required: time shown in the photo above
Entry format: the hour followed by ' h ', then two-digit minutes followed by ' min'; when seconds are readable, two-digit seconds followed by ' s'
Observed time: 10 h 37 min
